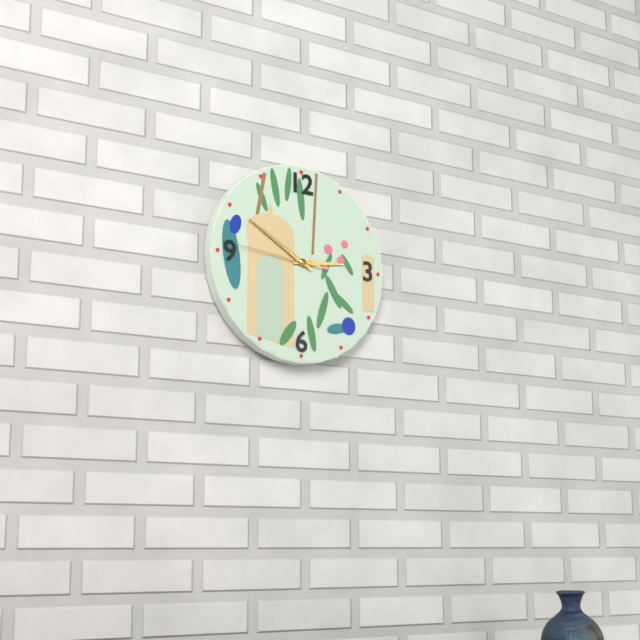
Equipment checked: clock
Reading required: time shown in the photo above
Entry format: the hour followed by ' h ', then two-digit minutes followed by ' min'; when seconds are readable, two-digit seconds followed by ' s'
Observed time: 2 h 50 min 46 s
